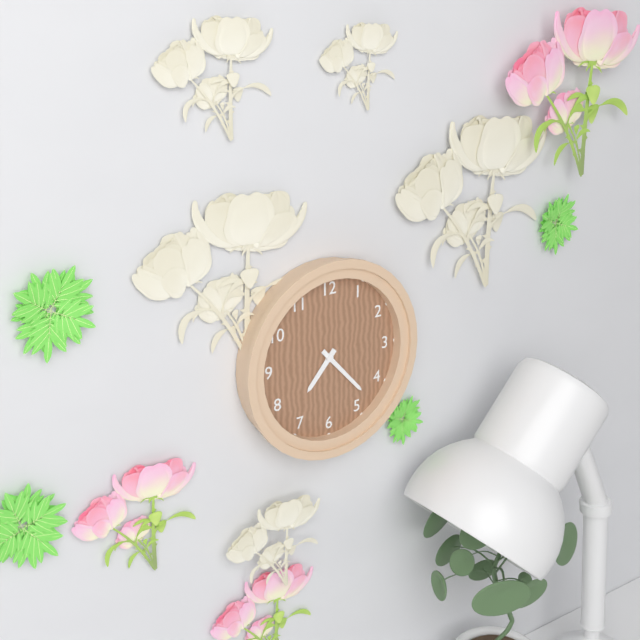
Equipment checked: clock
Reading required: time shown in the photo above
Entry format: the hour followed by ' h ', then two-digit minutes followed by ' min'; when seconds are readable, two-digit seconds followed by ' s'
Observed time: 7 h 23 min
